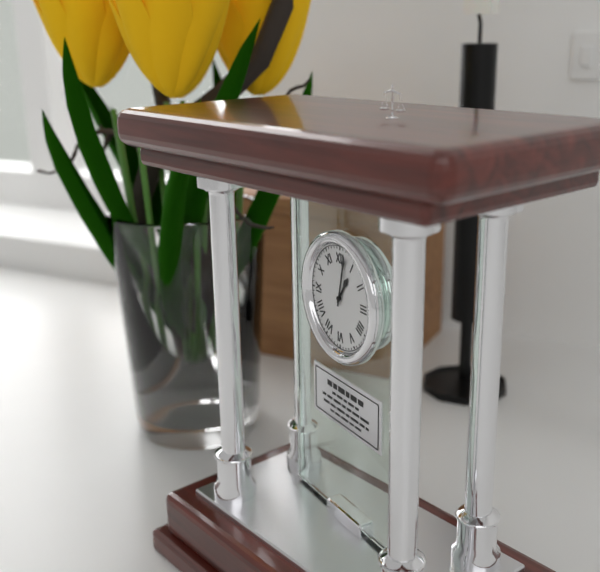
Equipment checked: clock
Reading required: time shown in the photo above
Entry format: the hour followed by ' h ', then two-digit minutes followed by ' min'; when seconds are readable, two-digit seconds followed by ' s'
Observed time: 1 h 02 min
